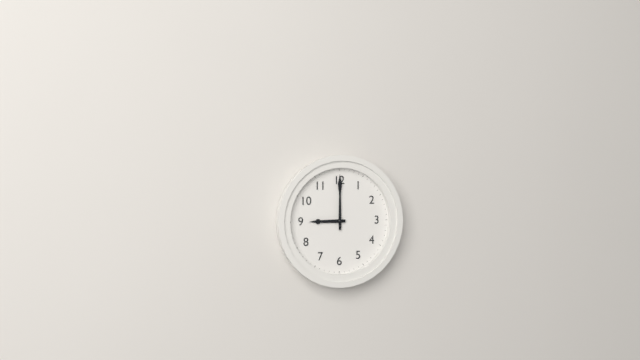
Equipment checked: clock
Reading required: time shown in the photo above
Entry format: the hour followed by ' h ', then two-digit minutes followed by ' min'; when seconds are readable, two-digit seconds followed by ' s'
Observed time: 9 h 00 min
